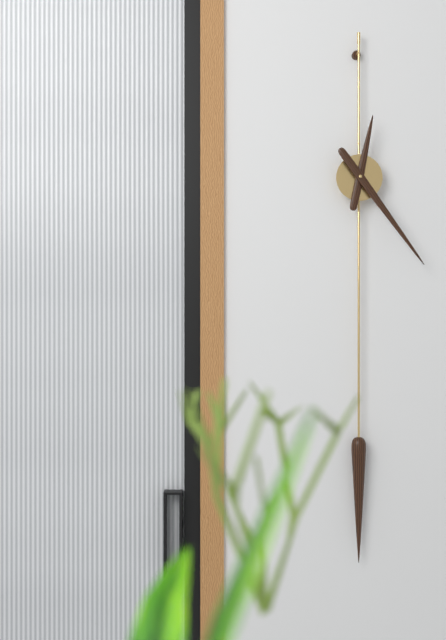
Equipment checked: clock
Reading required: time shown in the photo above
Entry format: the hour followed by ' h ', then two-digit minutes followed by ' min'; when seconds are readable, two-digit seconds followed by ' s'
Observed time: 12 h 24 min
